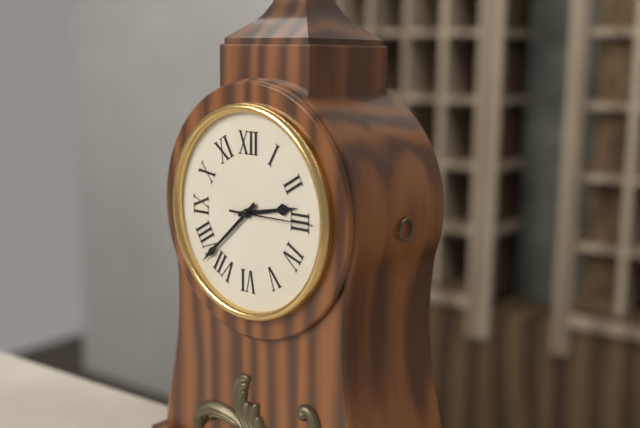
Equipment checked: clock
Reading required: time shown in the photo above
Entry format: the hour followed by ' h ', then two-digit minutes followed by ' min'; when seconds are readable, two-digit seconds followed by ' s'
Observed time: 2 h 38 min 15 s
